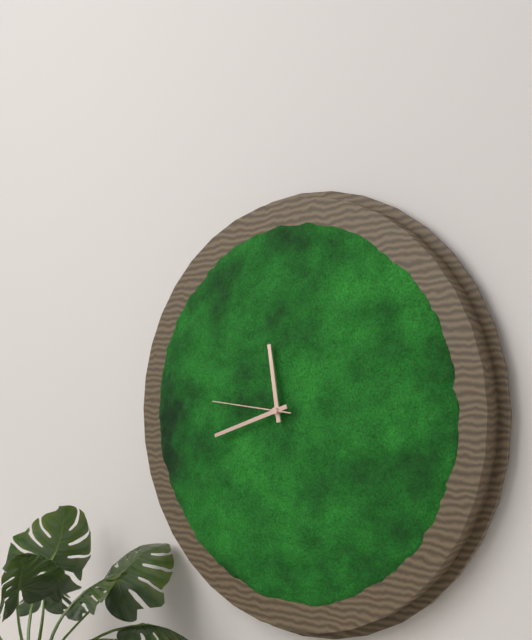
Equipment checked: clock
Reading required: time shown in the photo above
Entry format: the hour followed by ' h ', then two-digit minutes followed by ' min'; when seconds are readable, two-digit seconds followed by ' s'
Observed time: 11 h 42 min 46 s
